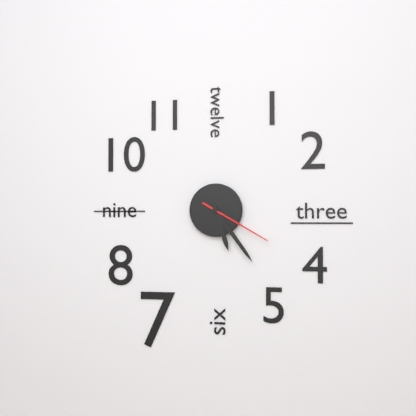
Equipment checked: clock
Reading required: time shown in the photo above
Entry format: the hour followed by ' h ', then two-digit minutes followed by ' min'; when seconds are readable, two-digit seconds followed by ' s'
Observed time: 5 h 24 min 20 s
